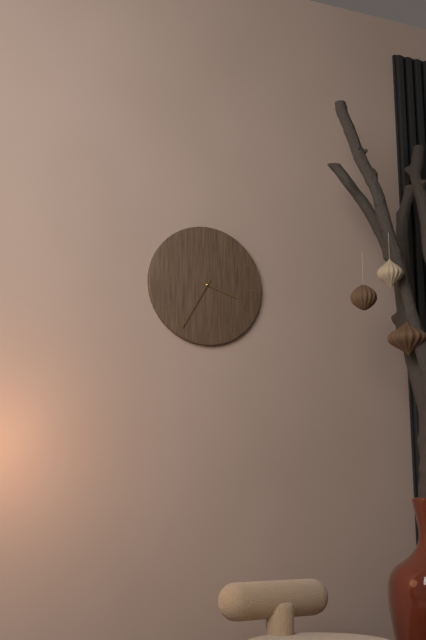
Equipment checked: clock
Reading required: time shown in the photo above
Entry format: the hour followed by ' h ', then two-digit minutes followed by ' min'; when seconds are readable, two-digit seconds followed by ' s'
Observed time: 3 h 35 min
